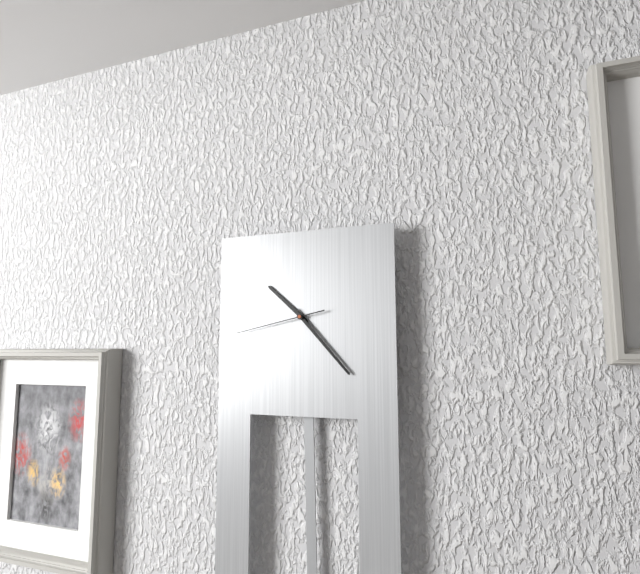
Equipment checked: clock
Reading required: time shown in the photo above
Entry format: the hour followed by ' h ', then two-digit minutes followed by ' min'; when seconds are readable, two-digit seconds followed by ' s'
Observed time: 10 h 23 min 43 s
